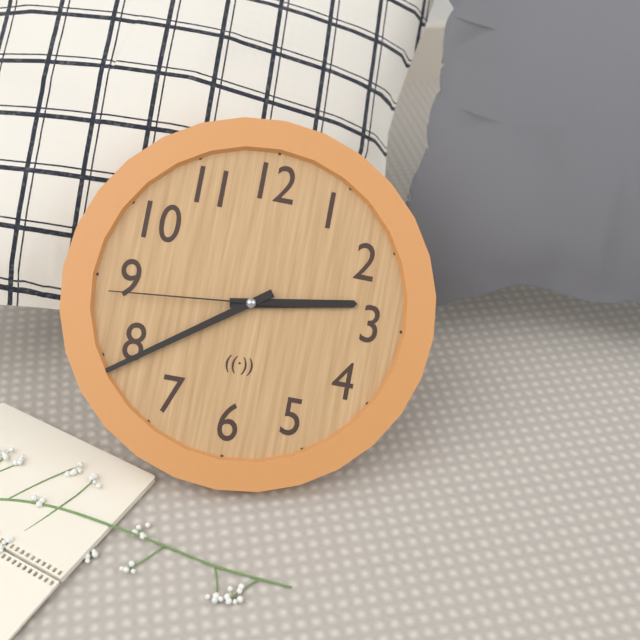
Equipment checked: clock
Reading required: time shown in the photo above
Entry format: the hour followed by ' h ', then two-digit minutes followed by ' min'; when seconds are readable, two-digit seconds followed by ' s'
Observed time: 2 h 39 min 44 s
